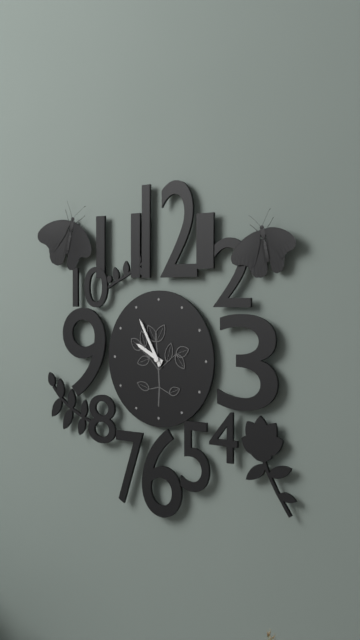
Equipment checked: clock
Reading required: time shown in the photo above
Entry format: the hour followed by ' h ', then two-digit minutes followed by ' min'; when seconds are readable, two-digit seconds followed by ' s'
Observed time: 9 h 55 min
